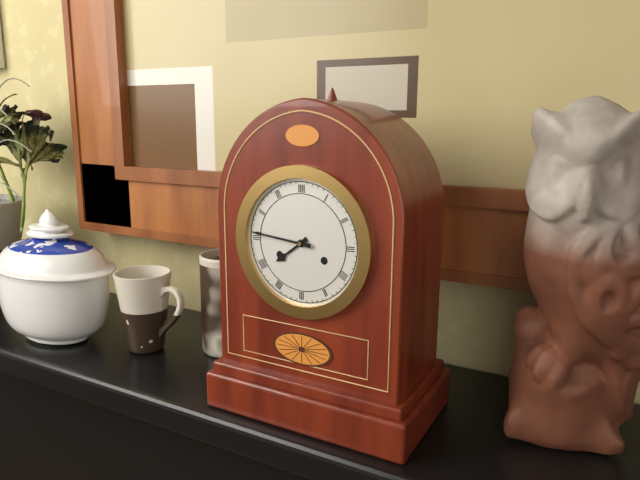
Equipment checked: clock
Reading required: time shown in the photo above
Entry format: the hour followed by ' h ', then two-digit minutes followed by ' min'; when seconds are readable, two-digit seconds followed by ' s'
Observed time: 7 h 46 min
